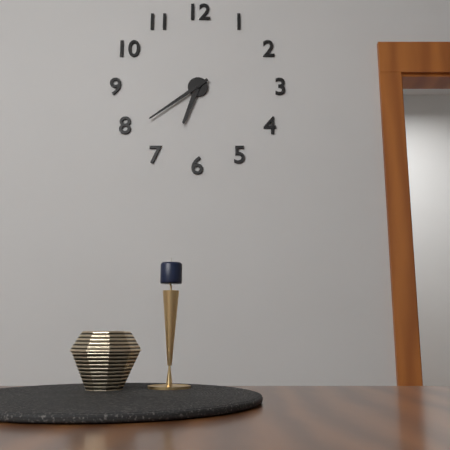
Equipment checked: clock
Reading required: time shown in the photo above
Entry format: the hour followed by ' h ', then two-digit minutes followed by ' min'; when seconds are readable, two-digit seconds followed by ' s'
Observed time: 6 h 39 min
